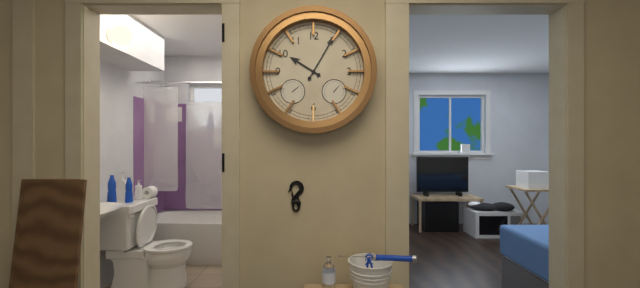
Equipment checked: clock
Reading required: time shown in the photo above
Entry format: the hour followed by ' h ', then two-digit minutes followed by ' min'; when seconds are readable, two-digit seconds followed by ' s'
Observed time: 10 h 05 min
